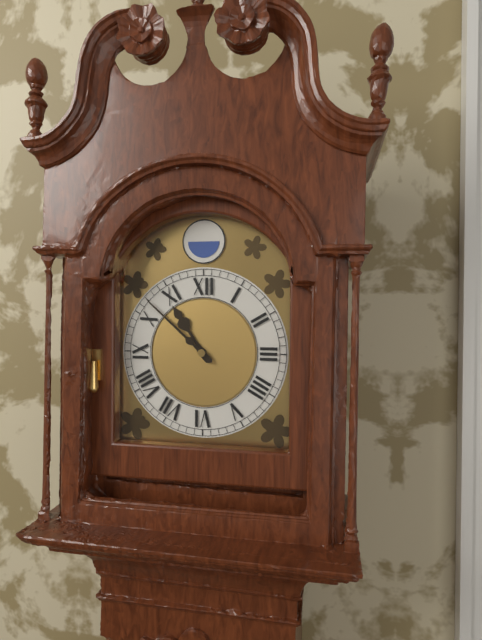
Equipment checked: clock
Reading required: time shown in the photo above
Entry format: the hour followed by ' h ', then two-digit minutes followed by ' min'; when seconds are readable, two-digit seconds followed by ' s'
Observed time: 10 h 52 min
